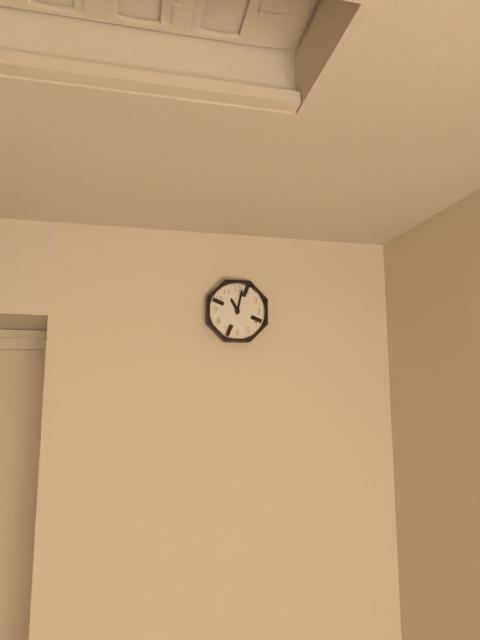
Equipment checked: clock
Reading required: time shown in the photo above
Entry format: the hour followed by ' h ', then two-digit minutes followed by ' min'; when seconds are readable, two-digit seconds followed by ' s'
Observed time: 11 h 02 min
